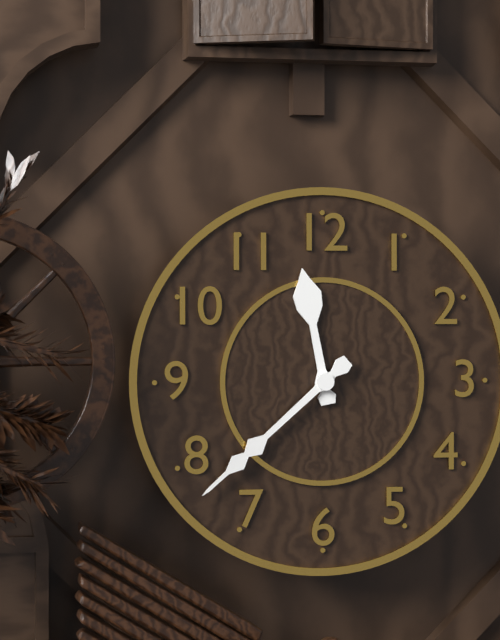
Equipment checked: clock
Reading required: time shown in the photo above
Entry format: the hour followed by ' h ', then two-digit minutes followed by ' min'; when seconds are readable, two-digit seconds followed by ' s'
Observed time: 11 h 38 min
